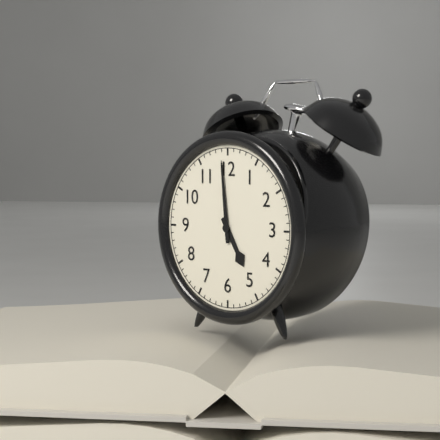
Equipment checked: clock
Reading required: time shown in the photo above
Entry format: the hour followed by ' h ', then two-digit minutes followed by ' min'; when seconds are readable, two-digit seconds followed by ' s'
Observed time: 4 h 59 min
